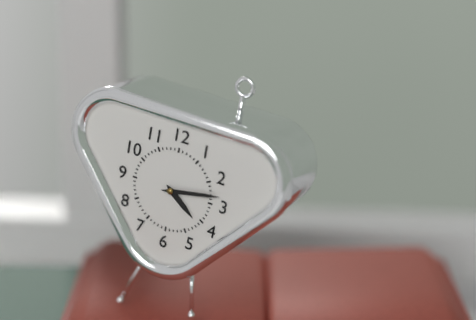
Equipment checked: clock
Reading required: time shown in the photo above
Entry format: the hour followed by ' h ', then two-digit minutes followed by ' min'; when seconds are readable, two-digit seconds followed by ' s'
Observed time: 4 h 13 min
